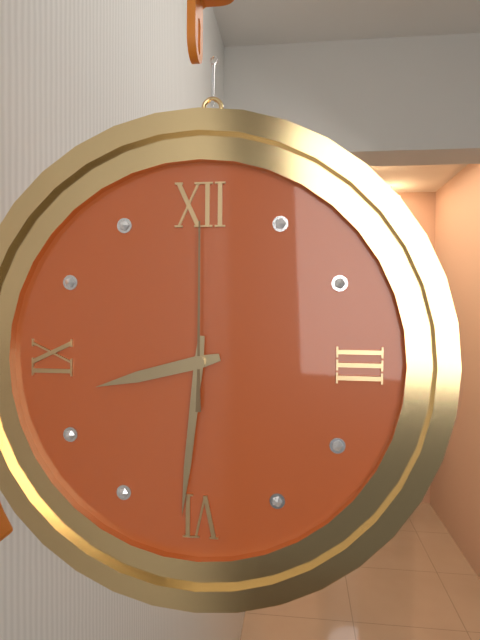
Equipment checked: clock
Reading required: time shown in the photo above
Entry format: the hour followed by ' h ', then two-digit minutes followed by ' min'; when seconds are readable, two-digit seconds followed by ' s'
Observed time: 8 h 31 min 00 s
